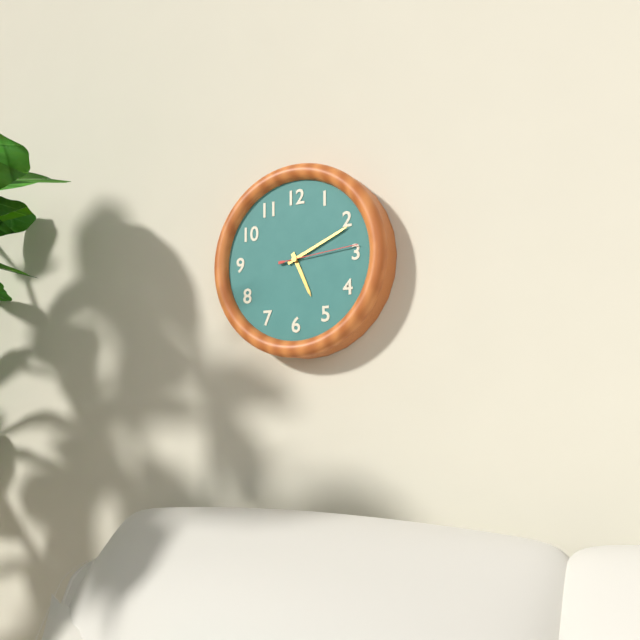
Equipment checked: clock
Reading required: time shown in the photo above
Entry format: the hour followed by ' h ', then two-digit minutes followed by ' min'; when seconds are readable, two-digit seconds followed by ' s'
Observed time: 5 h 11 min 14 s
